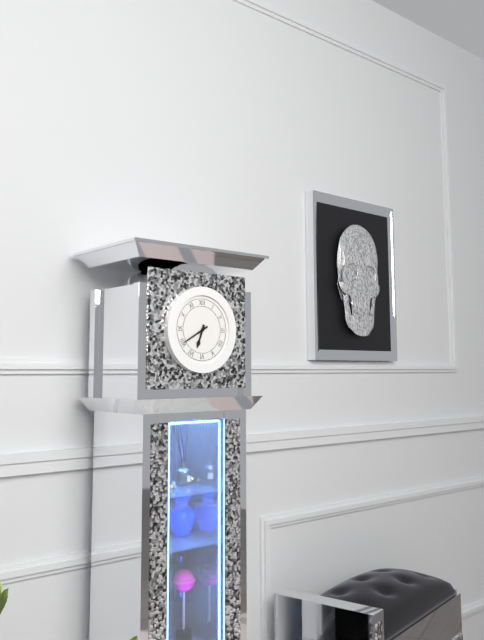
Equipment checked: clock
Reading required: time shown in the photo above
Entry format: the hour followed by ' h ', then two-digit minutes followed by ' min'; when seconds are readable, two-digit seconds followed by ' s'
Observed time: 6 h 40 min
